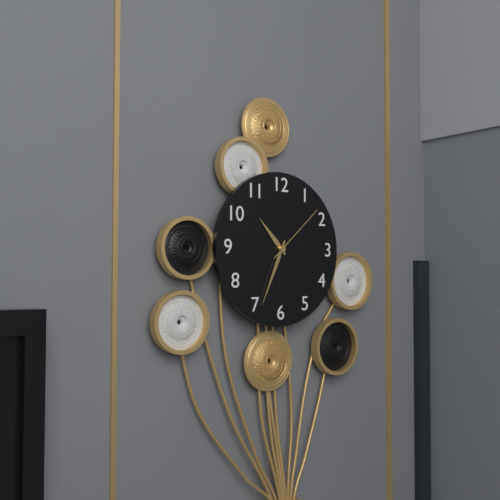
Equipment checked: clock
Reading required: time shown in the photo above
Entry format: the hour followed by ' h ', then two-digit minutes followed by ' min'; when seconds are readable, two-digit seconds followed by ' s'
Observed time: 10 h 34 min 08 s
